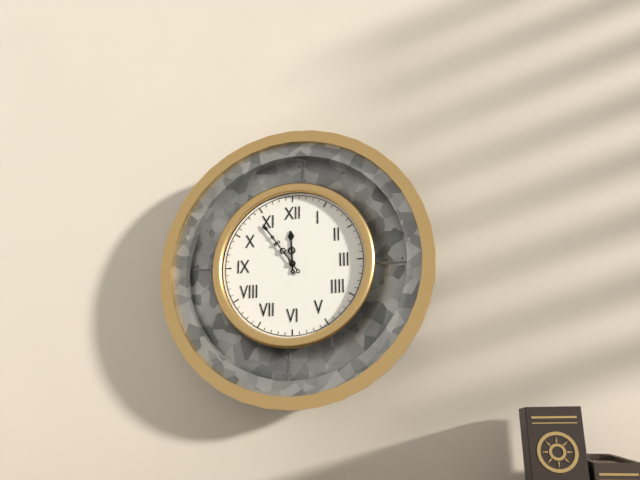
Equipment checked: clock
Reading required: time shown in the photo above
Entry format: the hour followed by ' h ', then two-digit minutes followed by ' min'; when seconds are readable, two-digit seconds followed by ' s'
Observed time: 11 h 54 min
